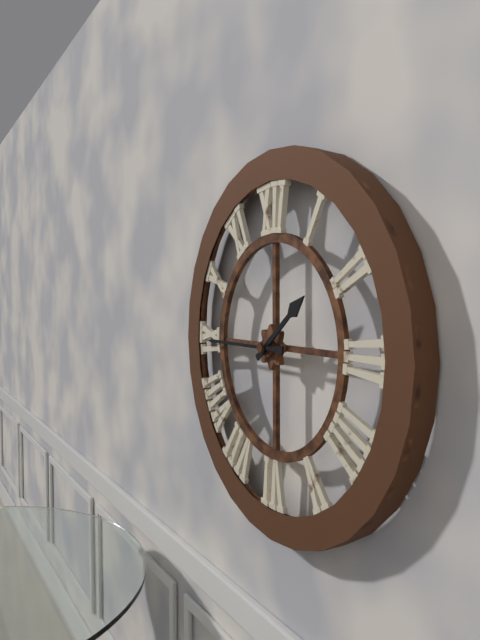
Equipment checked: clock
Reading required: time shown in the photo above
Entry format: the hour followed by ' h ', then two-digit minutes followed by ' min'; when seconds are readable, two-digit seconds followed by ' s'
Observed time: 1 h 45 min
